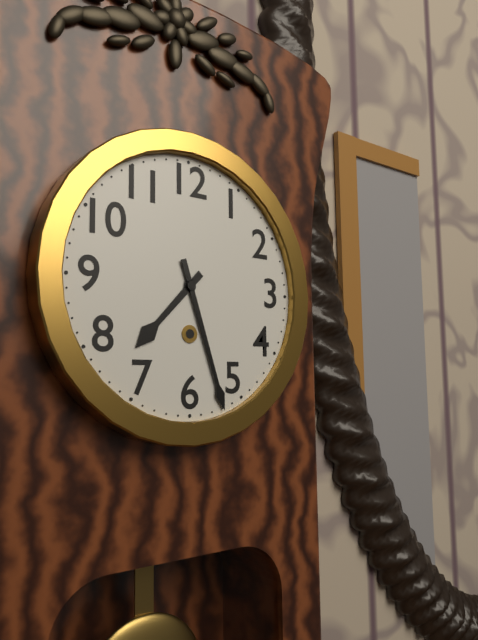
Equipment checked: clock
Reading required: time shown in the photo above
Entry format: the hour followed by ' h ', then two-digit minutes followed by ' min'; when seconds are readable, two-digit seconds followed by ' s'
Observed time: 7 h 27 min
